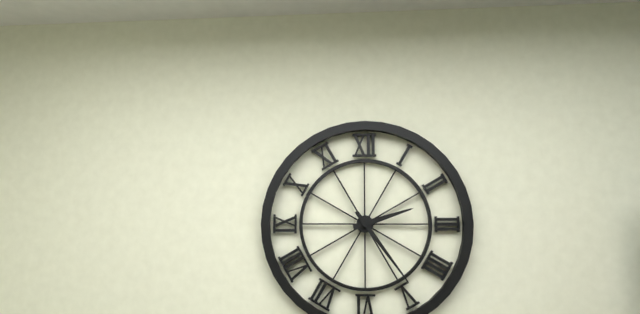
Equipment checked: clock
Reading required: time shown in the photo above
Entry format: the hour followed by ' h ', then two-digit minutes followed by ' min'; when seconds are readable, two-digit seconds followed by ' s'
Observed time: 2 h 24 min
